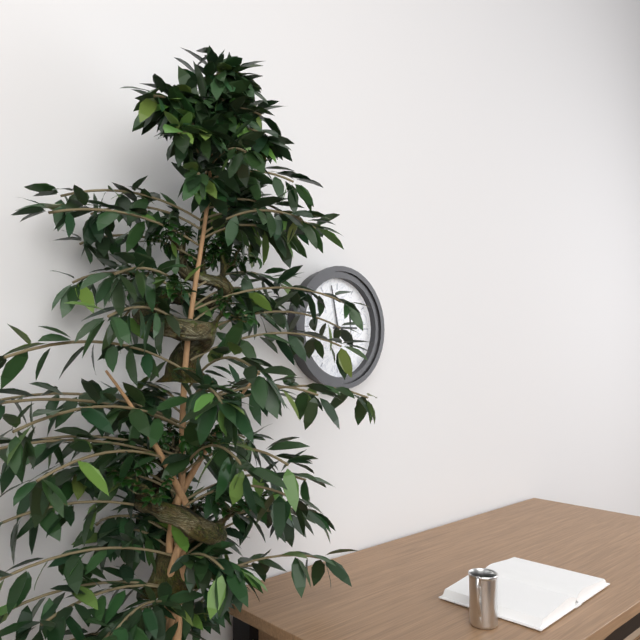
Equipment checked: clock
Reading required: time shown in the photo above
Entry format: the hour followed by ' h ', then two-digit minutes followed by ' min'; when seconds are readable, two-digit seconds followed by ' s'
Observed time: 2 h 58 min
